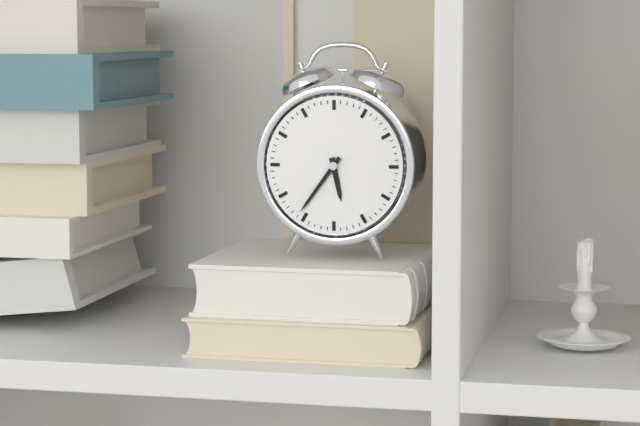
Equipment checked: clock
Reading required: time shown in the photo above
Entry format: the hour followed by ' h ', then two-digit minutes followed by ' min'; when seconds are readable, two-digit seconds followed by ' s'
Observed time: 5 h 36 min
